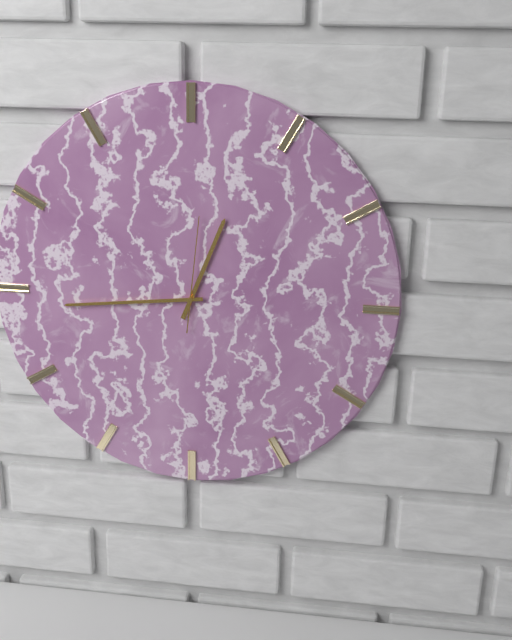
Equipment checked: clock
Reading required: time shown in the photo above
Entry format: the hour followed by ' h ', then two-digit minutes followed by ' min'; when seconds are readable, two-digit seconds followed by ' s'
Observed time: 12 h 44 min 01 s
